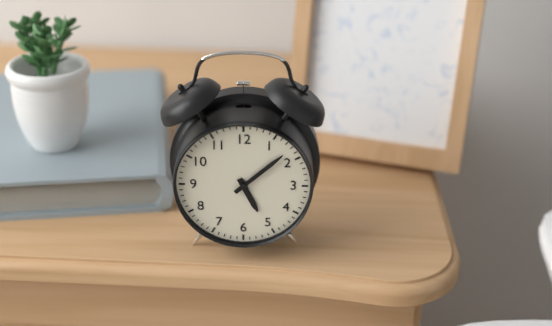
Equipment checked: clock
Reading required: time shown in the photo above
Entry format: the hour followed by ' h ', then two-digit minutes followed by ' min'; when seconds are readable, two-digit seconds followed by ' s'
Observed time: 5 h 08 min
